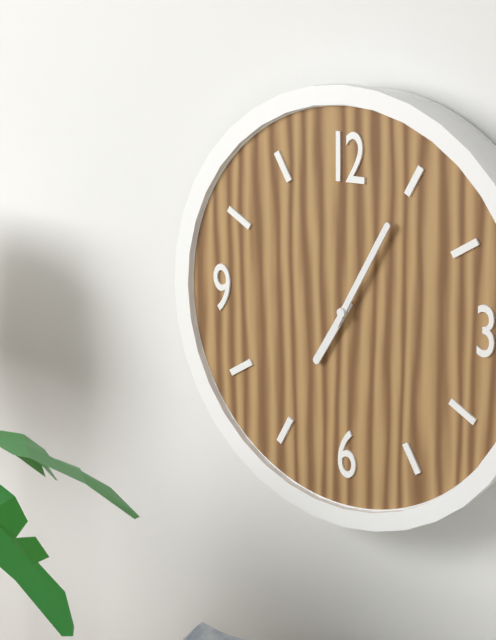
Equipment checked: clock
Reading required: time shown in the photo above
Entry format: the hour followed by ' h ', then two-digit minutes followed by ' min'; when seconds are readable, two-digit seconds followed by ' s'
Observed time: 7 h 05 min
